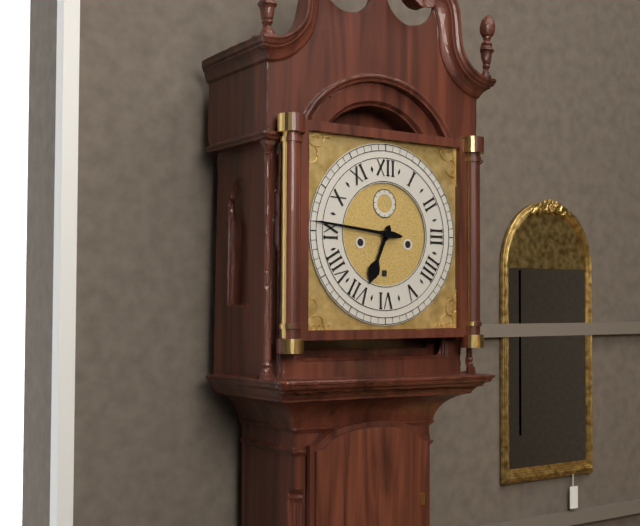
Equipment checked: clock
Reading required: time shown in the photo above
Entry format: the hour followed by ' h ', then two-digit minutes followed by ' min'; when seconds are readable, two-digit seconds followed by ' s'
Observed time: 6 h 46 min
